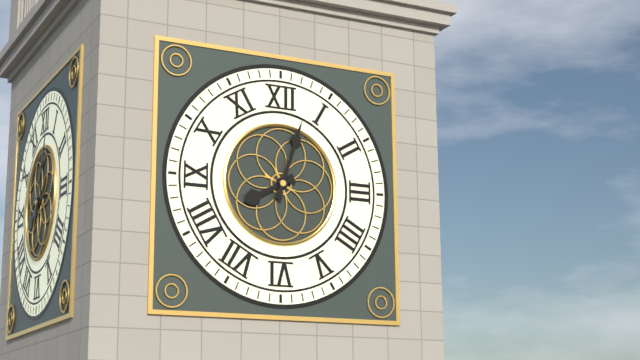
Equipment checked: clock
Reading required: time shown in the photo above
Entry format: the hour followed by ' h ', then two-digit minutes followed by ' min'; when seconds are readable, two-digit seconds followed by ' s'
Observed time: 8 h 03 min
